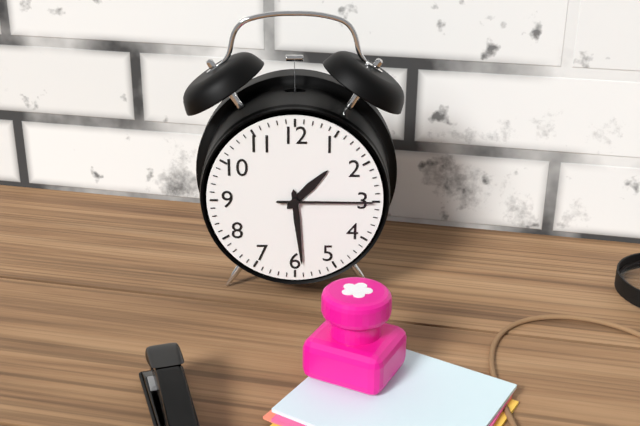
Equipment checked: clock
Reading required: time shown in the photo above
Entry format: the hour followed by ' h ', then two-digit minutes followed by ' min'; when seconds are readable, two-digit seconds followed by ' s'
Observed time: 1 h 29 min 15 s
